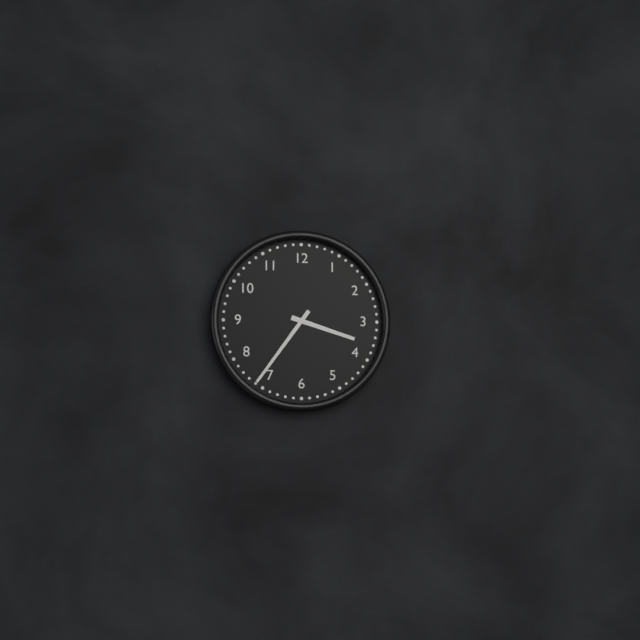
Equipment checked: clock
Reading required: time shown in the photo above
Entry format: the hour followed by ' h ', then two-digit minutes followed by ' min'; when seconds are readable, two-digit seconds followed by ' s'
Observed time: 3 h 36 min
